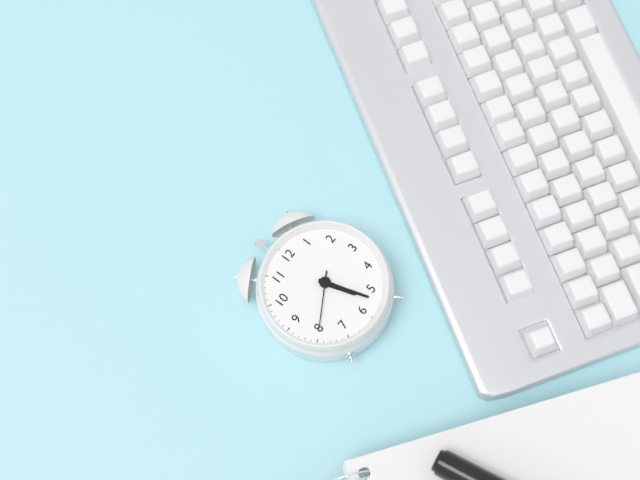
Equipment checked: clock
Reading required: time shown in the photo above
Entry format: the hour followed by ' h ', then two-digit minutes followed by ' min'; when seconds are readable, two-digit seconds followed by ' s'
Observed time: 5 h 27 min 40 s
